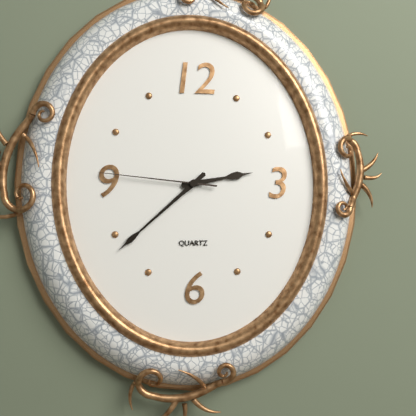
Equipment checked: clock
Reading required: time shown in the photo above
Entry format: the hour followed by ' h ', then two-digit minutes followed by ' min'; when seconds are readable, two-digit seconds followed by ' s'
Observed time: 2 h 38 min 46 s
